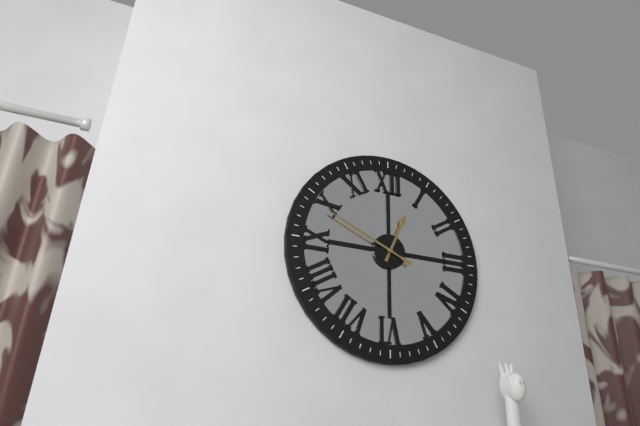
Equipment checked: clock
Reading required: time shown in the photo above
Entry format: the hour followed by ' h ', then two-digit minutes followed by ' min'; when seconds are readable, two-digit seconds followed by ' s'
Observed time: 12 h 49 min
